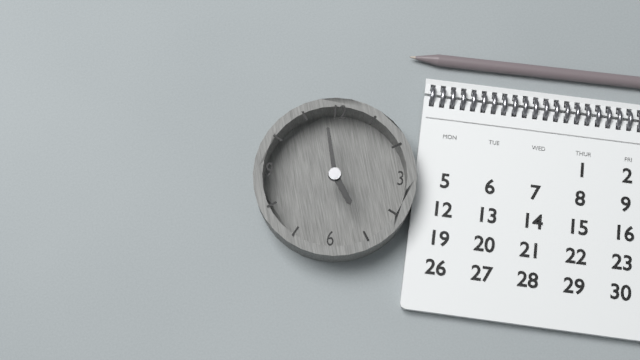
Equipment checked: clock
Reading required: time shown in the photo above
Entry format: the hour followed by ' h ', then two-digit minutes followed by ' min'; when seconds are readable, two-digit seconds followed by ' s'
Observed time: 4 h 58 min
